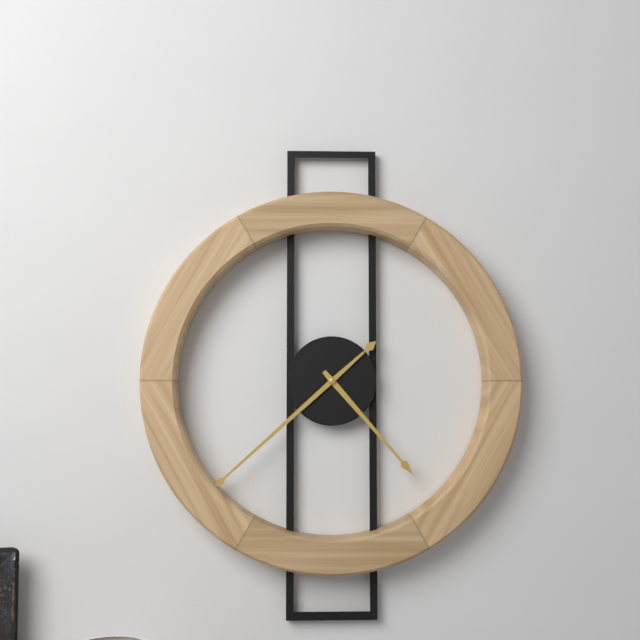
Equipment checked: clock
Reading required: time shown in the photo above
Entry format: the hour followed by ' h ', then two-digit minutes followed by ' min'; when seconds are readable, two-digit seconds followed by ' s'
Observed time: 4 h 38 min
